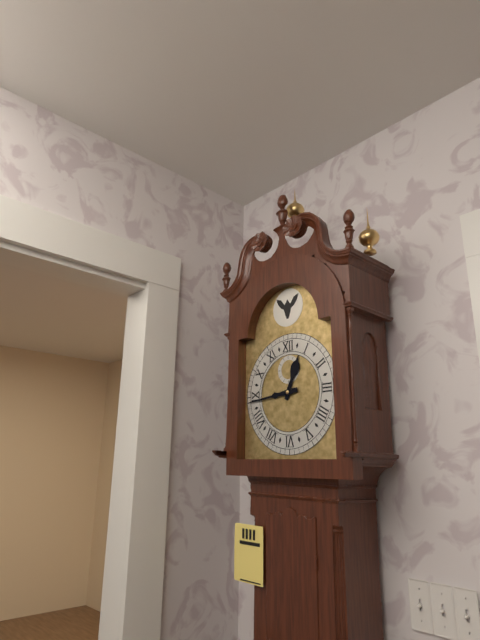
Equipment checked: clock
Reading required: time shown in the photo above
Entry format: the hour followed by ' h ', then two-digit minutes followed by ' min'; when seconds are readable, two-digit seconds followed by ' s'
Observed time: 12 h 44 min
